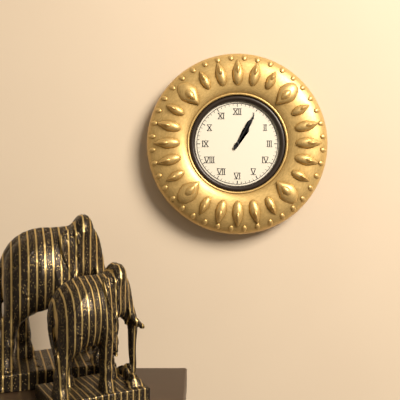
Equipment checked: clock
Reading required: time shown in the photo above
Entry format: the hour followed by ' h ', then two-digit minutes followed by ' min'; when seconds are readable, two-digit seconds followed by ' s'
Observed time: 1 h 05 min
